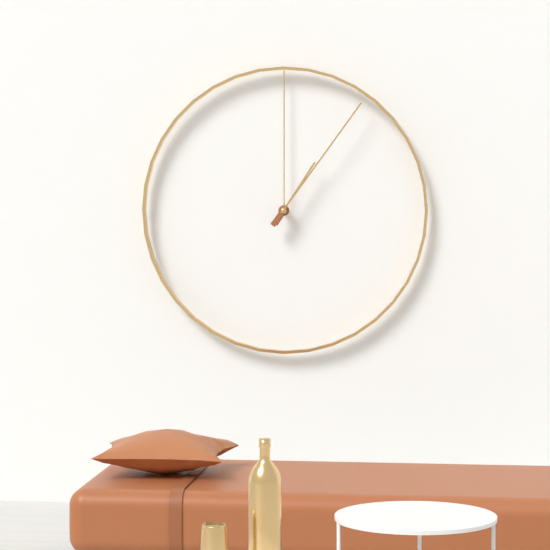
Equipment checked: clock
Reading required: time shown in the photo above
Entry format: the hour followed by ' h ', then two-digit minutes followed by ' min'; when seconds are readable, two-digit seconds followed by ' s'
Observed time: 1 h 06 min
